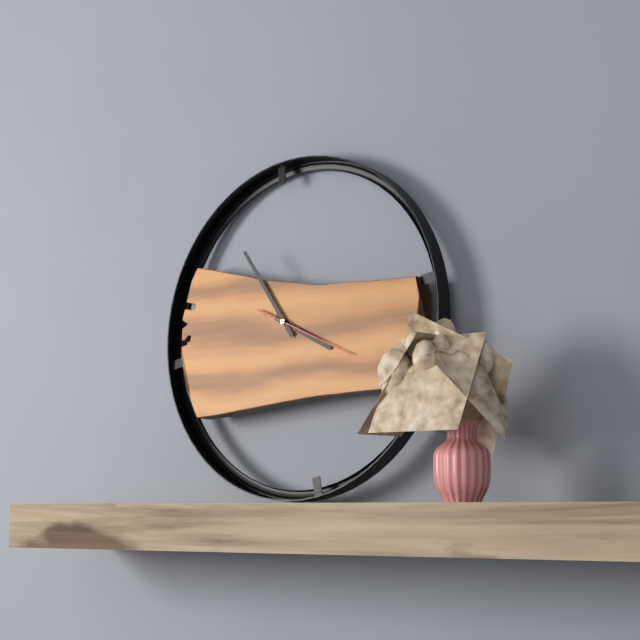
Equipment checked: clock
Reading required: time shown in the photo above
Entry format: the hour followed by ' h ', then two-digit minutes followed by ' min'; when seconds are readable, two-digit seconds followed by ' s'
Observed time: 3 h 54 min 19 s
